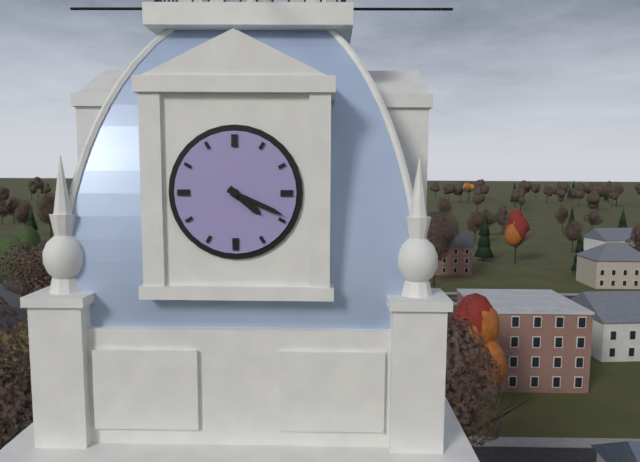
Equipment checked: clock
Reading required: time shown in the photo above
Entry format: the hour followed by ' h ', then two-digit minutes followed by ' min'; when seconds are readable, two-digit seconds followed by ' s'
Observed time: 4 h 19 min
